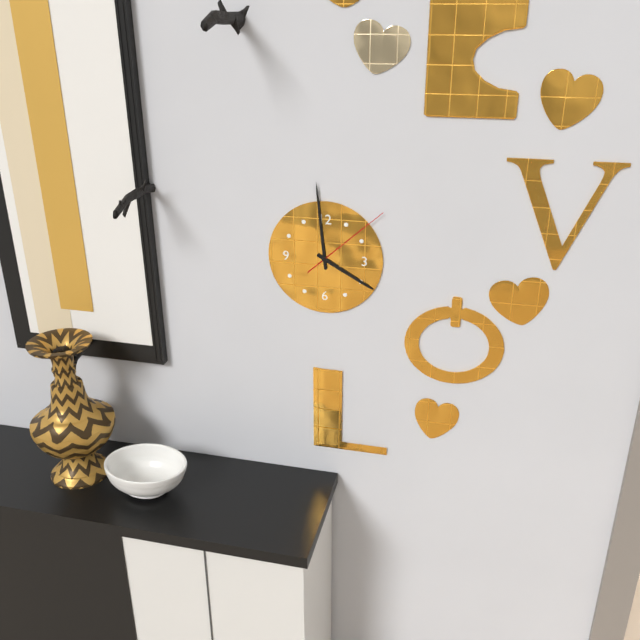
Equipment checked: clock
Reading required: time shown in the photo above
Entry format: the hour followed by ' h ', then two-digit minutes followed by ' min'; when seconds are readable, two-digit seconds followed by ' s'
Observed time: 3 h 59 min 08 s
